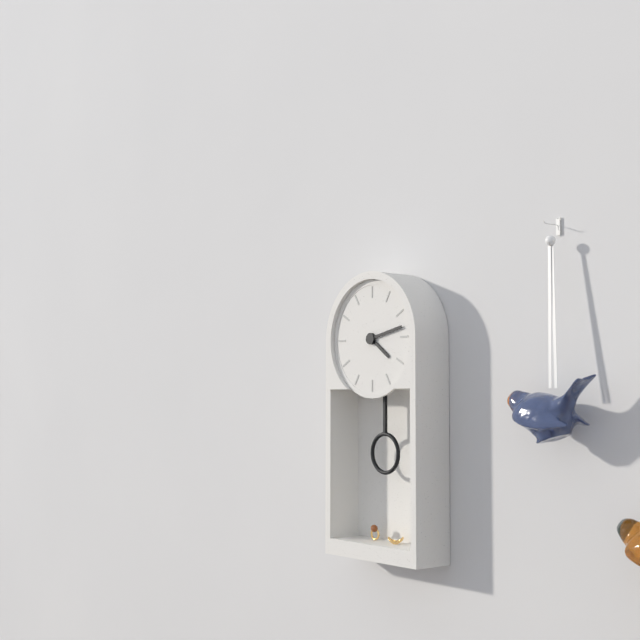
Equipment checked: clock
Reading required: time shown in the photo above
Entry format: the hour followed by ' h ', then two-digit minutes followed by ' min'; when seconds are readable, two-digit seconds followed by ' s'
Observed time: 4 h 13 min
